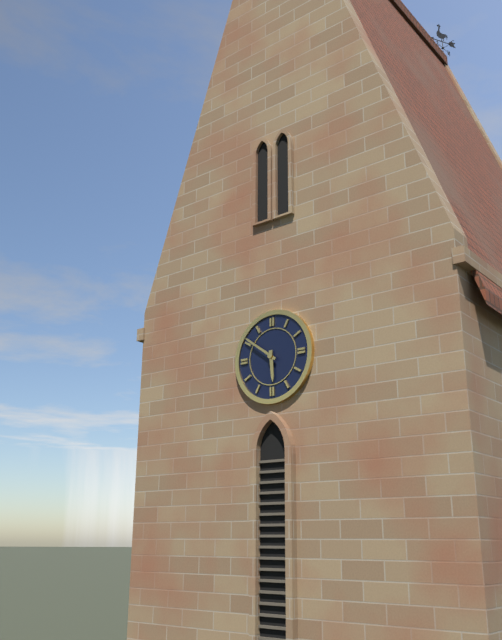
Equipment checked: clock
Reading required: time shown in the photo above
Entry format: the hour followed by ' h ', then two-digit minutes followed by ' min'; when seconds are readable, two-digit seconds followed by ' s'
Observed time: 5 h 51 min
